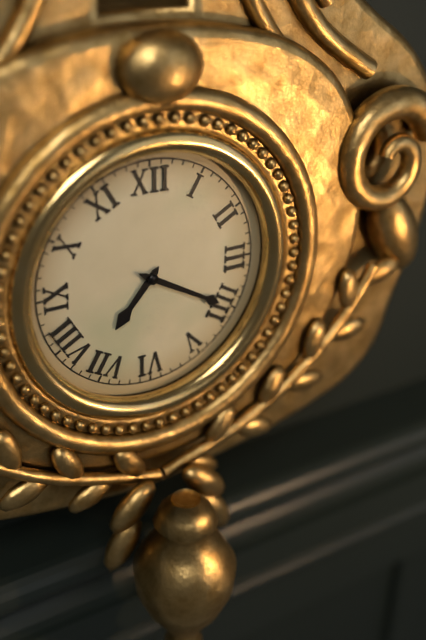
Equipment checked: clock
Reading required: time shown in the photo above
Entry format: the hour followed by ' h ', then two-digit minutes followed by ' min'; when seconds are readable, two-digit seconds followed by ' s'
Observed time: 7 h 20 min
